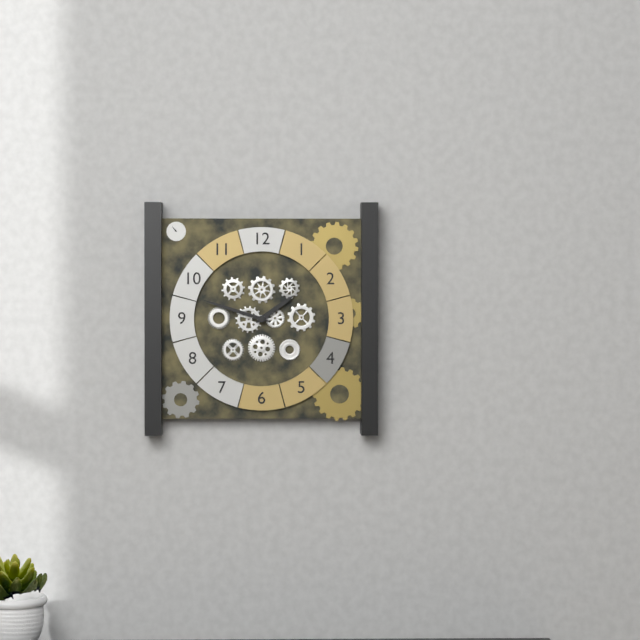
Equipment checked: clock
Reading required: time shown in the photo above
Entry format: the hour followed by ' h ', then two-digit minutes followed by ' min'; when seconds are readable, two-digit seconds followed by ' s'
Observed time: 1 h 48 min
